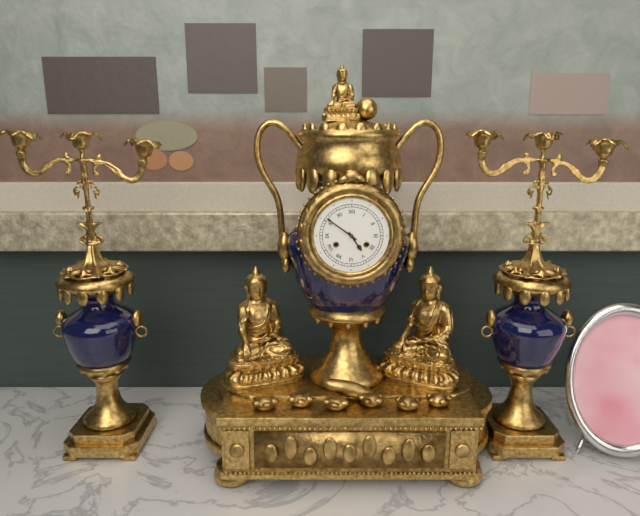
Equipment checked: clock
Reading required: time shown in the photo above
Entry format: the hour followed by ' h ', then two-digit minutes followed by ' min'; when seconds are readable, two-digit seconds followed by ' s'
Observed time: 4 h 51 min
